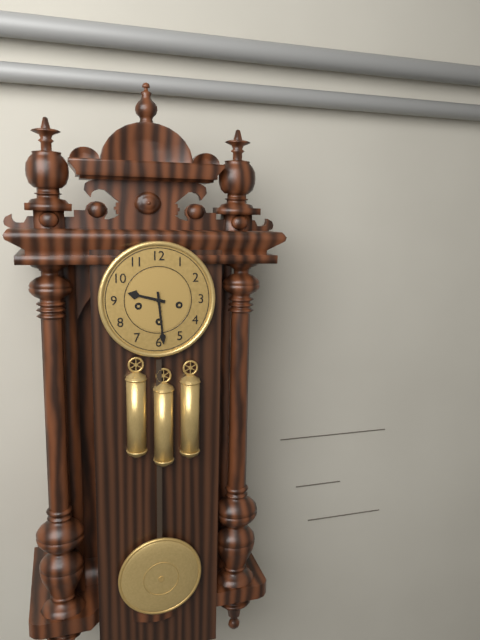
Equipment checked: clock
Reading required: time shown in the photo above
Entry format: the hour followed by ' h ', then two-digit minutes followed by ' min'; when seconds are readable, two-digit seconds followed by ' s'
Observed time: 9 h 29 min
